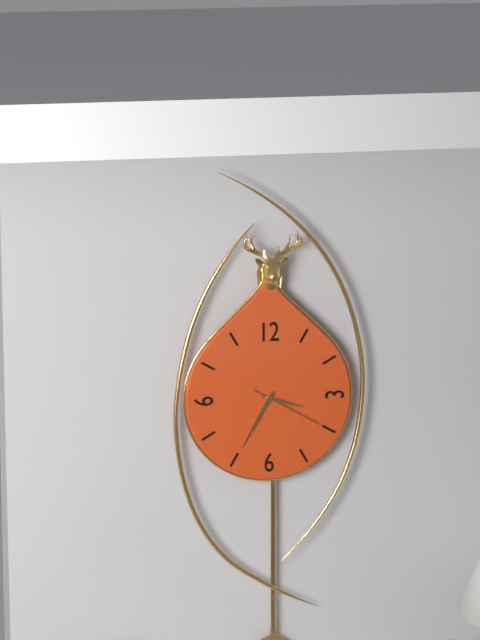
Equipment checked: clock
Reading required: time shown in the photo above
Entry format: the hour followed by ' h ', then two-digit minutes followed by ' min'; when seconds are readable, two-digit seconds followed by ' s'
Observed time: 3 h 35 min 20 s
